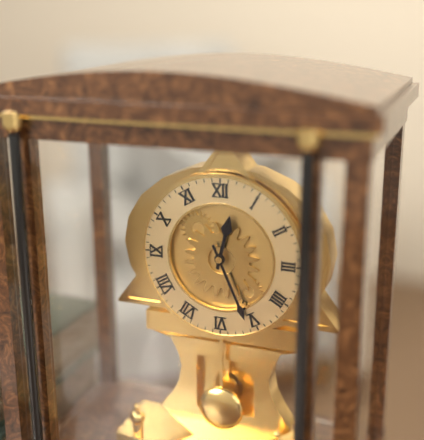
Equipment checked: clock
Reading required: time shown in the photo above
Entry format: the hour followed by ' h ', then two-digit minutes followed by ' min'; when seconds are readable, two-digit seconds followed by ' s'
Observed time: 12 h 26 min
